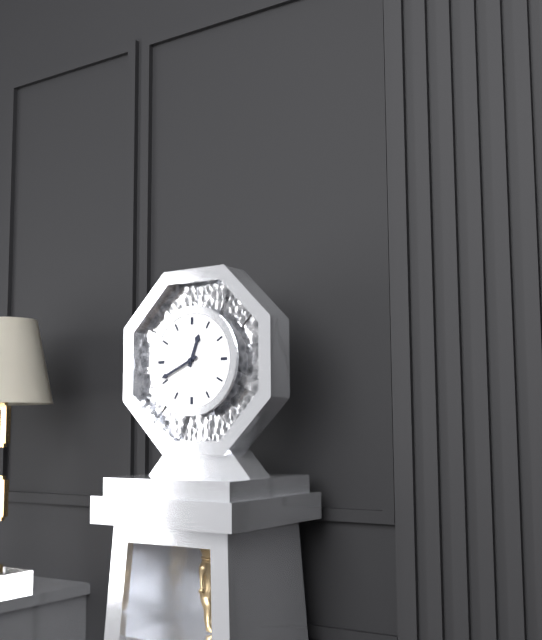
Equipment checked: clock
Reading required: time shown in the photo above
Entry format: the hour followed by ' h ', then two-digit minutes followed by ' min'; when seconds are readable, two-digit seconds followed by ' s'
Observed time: 12 h 41 min
